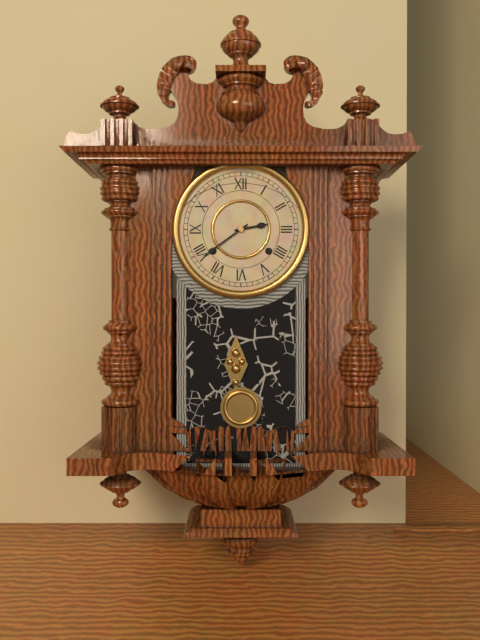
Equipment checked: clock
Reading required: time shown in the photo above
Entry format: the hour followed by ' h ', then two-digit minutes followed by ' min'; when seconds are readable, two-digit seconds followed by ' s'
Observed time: 2 h 39 min
